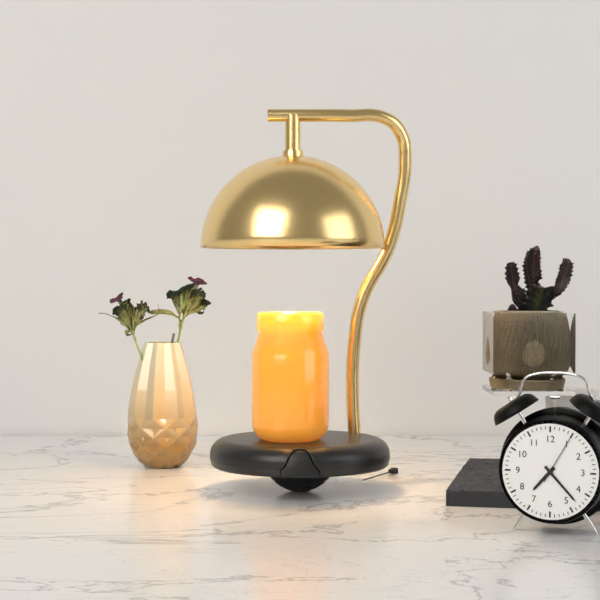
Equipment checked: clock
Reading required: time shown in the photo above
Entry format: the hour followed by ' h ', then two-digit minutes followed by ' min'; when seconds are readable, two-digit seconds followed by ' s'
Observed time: 7 h 23 min 05 s
